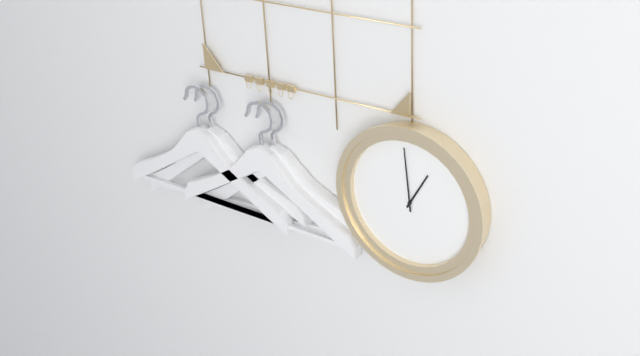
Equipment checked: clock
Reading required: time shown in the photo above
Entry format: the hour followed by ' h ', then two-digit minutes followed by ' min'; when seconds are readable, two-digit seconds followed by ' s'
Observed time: 12 h 59 min
